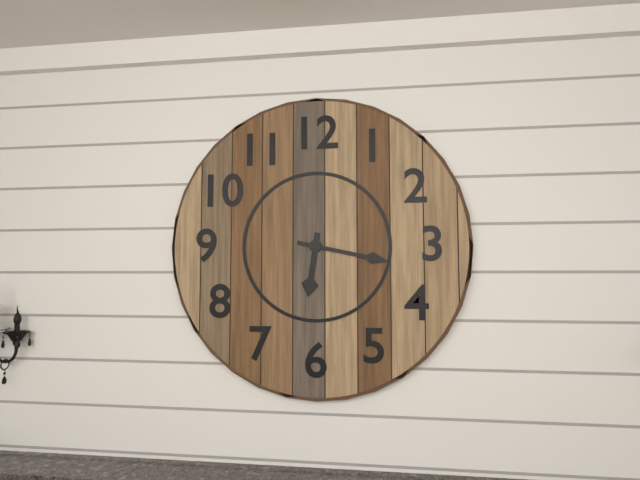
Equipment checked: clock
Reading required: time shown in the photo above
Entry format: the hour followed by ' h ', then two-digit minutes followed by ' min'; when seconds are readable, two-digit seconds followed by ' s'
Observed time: 6 h 17 min
